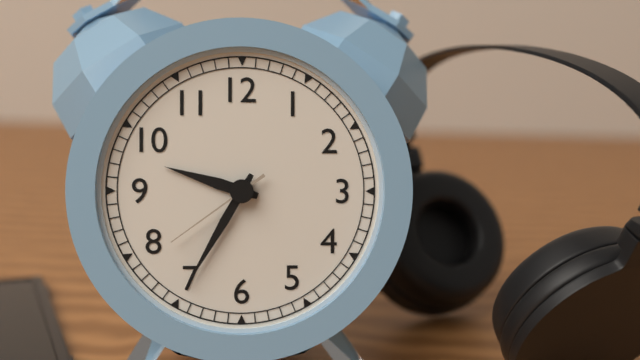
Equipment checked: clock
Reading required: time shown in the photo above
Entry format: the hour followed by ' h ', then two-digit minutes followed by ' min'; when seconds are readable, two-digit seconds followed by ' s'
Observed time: 9 h 35 min 39 s
